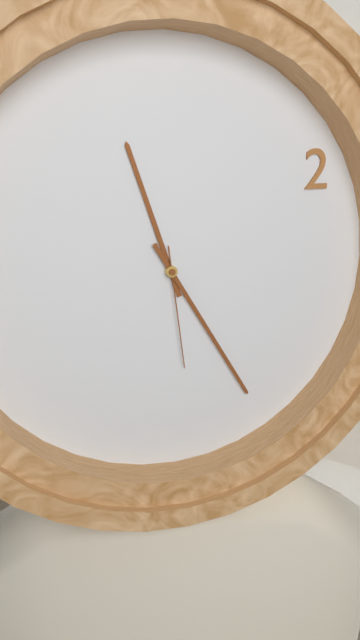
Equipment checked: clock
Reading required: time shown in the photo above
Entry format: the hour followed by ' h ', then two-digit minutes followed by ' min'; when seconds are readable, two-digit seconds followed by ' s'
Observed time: 11 h 25 min 29 s
